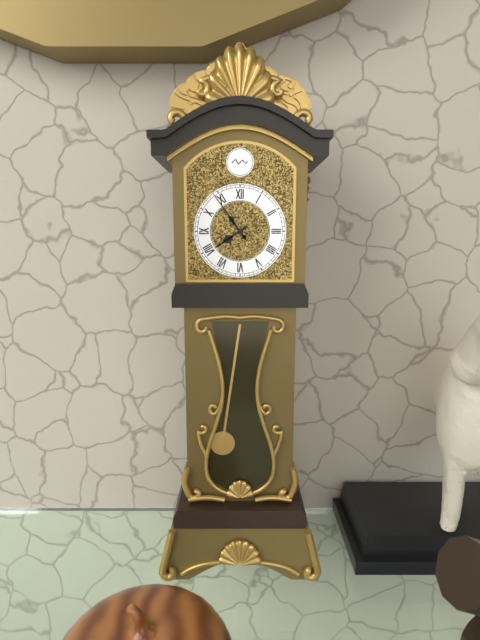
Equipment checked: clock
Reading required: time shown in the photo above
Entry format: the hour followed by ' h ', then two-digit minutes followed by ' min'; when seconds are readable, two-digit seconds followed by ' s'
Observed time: 7 h 54 min
